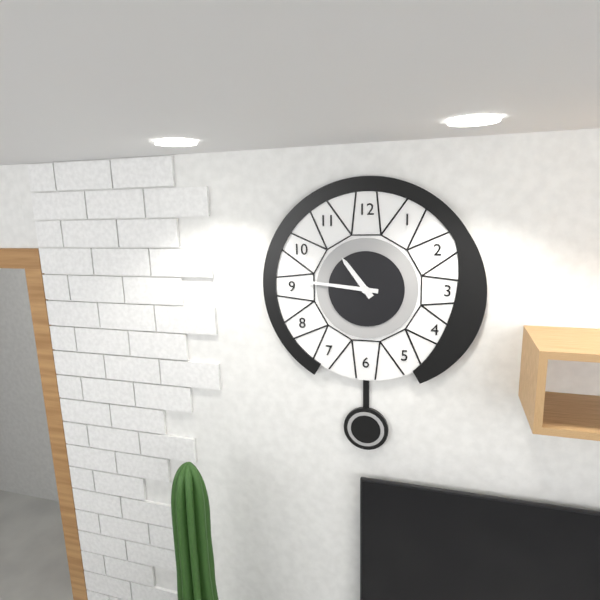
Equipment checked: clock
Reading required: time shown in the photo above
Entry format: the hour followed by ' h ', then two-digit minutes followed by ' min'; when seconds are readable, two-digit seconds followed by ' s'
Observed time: 10 h 46 min
